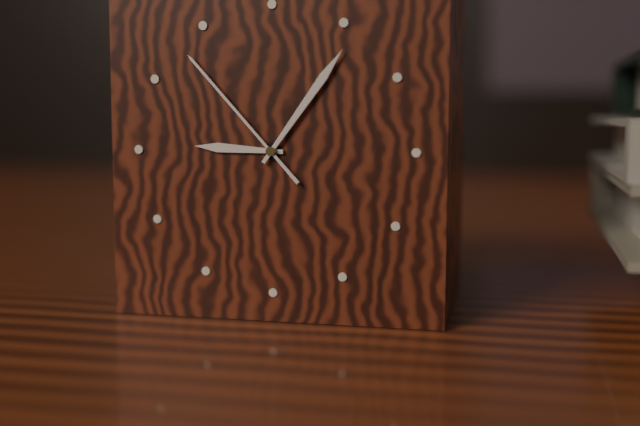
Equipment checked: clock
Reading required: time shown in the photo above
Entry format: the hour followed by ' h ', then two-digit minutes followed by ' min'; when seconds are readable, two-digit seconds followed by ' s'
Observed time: 9 h 06 min 53 s
